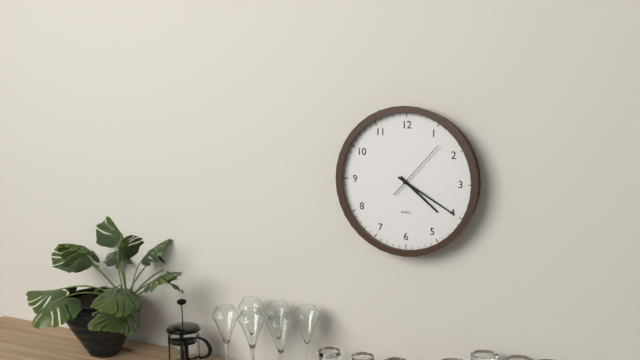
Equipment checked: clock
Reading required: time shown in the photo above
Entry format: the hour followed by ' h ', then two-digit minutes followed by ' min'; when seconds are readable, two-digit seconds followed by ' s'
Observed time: 4 h 20 min 07 s
